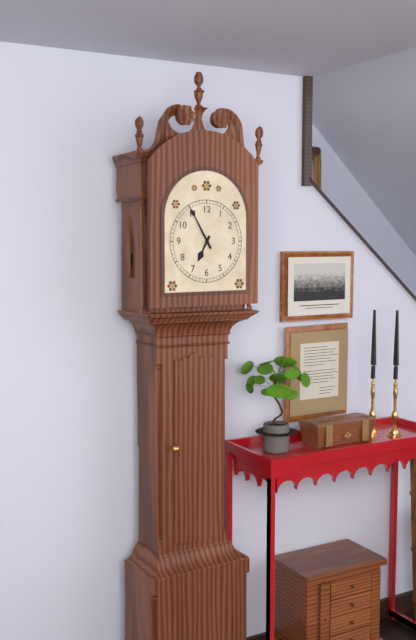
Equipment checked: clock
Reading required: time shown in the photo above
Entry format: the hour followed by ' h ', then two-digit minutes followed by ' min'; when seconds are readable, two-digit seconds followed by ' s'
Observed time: 6 h 55 min
